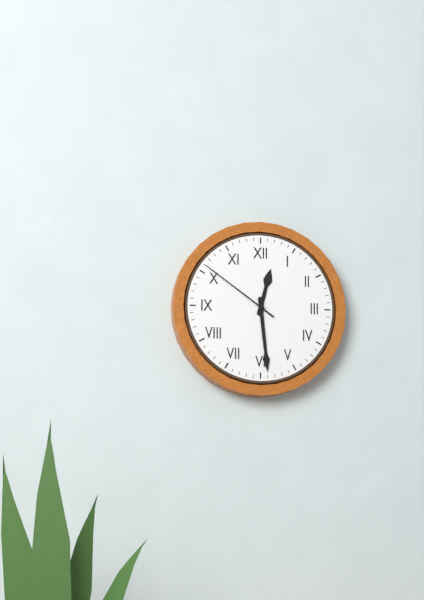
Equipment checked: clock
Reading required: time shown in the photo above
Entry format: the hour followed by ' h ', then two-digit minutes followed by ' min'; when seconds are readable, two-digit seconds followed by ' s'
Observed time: 12 h 29 min 51 s
